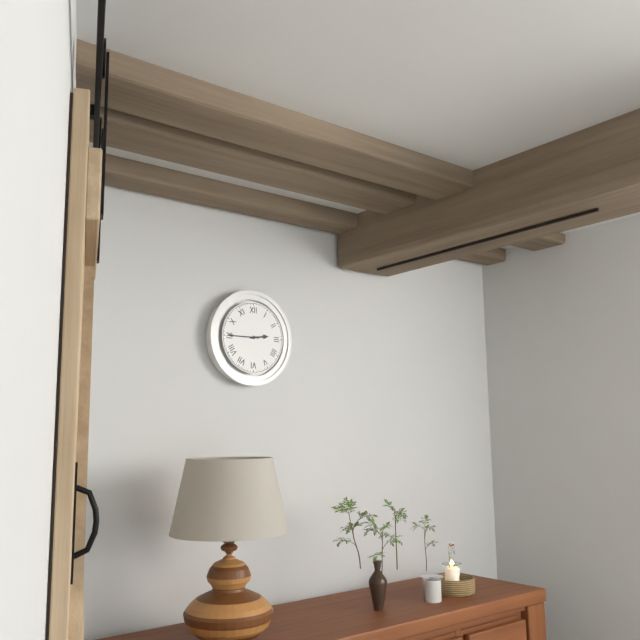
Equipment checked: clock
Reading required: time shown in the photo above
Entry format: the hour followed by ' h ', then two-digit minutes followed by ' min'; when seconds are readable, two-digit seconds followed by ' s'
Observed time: 2 h 45 min
